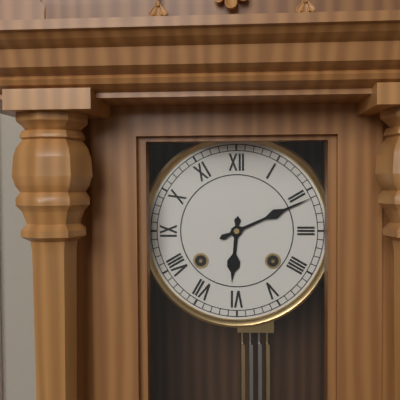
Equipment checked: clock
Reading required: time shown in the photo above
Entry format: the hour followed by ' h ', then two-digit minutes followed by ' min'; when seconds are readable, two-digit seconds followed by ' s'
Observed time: 6 h 11 min
